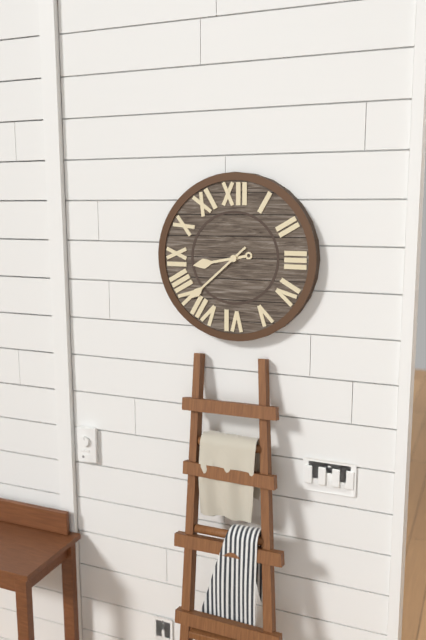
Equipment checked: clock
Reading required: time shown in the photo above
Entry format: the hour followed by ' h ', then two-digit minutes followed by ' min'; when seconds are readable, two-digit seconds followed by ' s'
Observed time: 8 h 38 min
